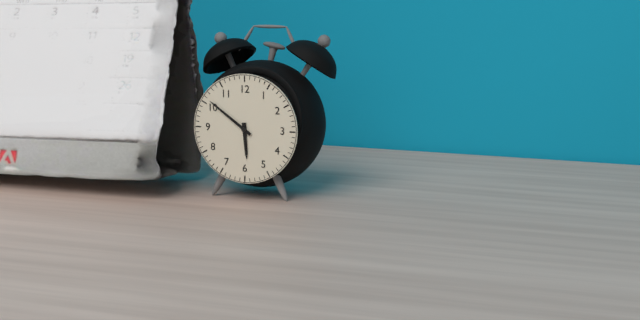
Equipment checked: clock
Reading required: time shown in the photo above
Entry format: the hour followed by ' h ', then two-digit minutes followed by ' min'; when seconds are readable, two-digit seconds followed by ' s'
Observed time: 5 h 51 min
